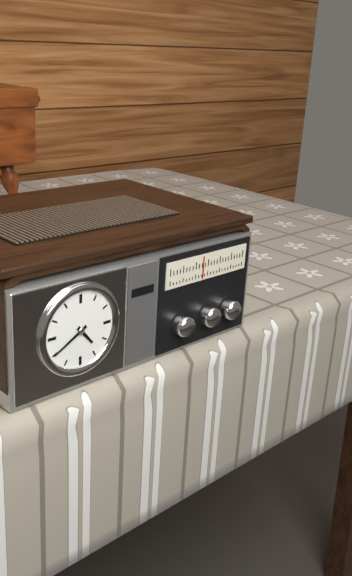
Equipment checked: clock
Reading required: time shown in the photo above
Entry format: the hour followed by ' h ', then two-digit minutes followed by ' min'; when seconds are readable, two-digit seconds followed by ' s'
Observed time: 4 h 40 min
